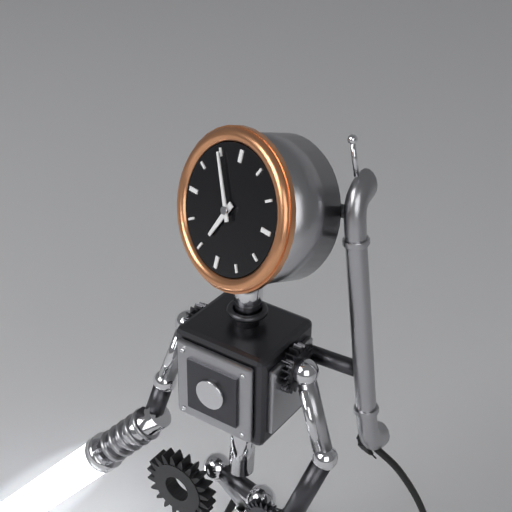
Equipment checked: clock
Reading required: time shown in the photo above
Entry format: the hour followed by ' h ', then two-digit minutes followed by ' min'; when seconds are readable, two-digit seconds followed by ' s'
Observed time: 6 h 55 min
